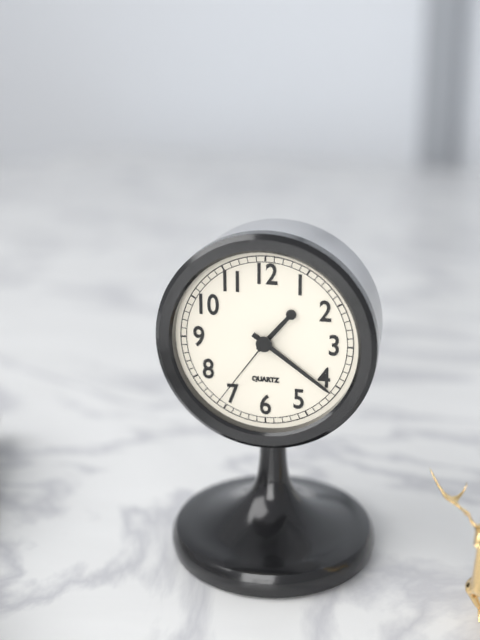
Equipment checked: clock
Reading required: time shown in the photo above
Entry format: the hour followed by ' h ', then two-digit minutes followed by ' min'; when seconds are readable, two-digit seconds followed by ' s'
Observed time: 1 h 21 min 36 s
